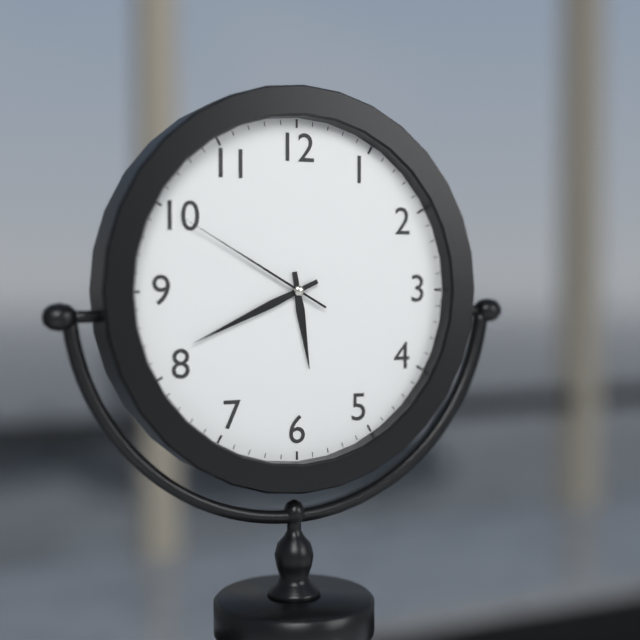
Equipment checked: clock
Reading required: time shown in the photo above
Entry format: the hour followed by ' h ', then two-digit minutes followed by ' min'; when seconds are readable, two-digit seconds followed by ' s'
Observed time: 5 h 41 min 50 s
